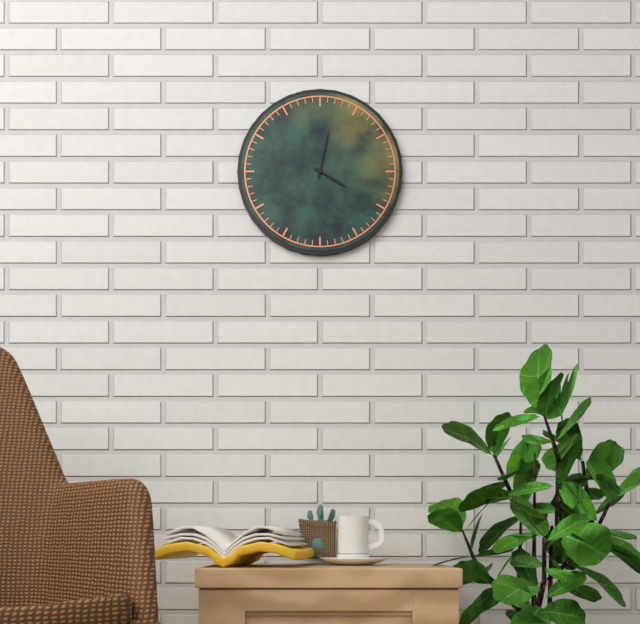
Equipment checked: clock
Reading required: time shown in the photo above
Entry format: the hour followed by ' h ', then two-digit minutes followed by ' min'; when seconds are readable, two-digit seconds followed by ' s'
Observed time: 4 h 02 min
